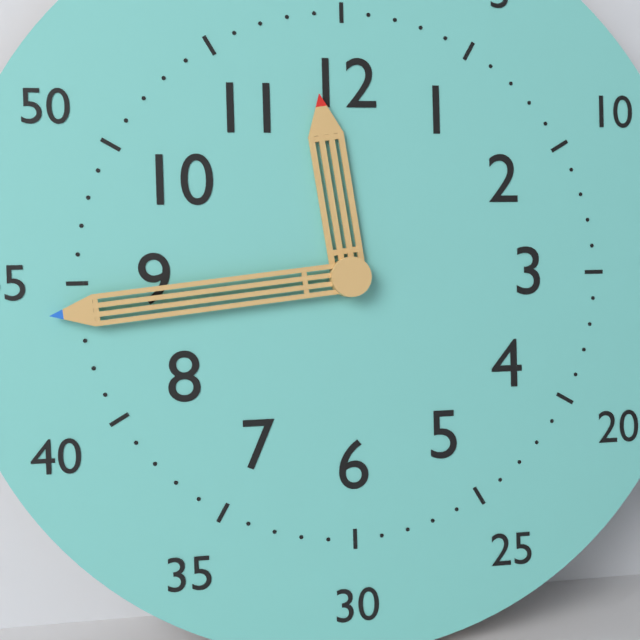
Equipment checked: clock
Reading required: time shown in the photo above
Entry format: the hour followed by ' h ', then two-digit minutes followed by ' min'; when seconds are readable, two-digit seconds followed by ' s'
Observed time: 11 h 44 min
